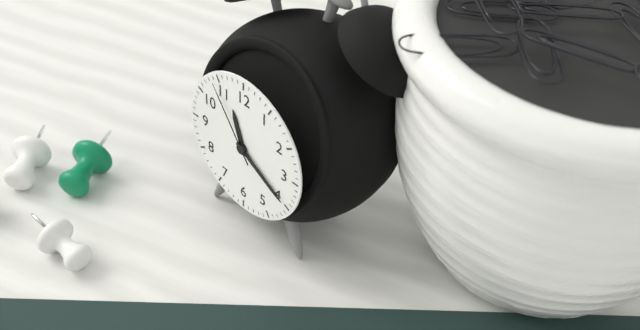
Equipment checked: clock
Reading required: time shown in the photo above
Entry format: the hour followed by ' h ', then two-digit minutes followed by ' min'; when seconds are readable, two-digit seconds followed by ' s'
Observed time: 11 h 20 min 54 s
